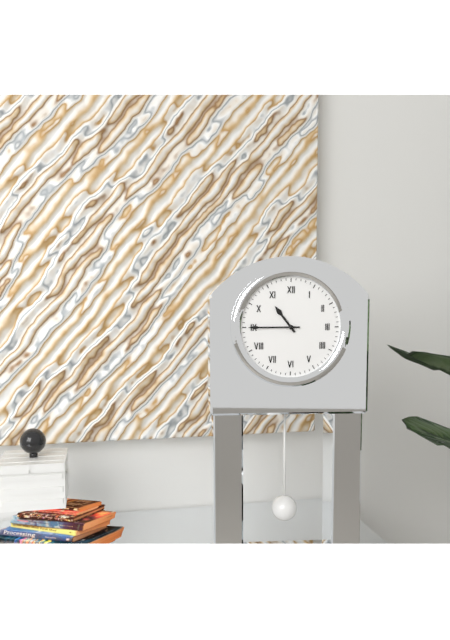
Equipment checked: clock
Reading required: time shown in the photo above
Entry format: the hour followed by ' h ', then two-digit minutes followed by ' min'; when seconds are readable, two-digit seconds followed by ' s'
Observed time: 10 h 45 min
